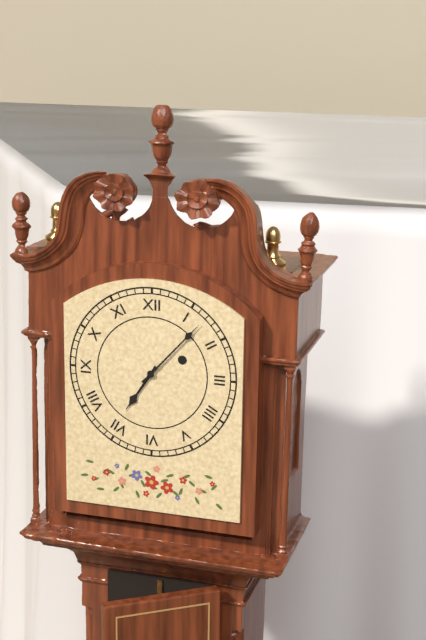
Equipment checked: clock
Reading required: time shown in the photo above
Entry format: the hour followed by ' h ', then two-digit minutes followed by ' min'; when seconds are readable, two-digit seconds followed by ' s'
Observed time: 7 h 07 min
